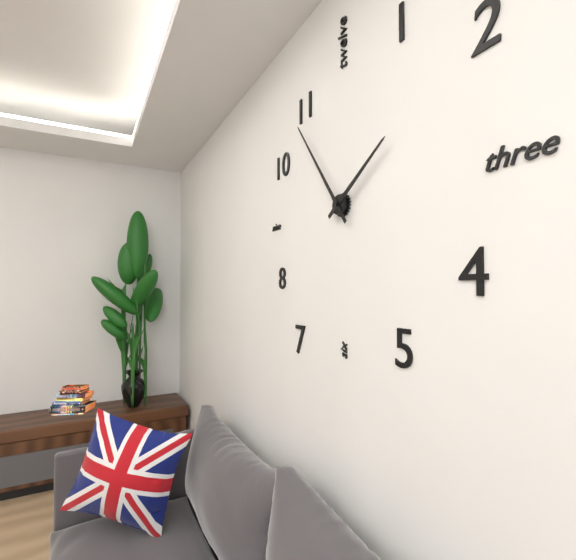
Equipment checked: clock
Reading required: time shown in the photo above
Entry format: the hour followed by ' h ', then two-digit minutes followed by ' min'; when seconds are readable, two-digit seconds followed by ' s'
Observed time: 1 h 54 min
